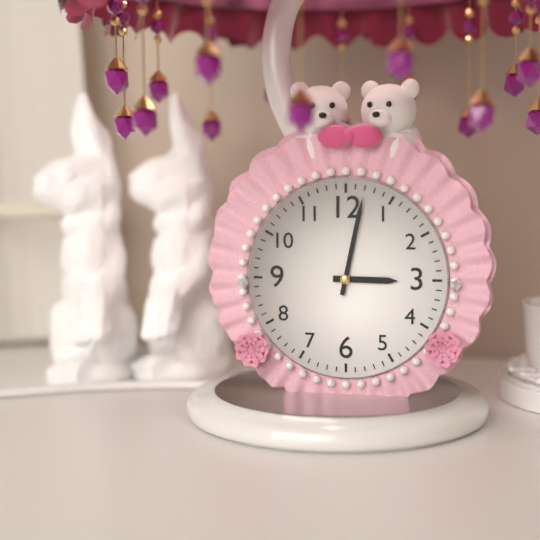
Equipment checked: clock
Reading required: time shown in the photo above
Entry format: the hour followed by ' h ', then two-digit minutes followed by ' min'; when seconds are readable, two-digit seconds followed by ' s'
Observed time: 3 h 02 min
